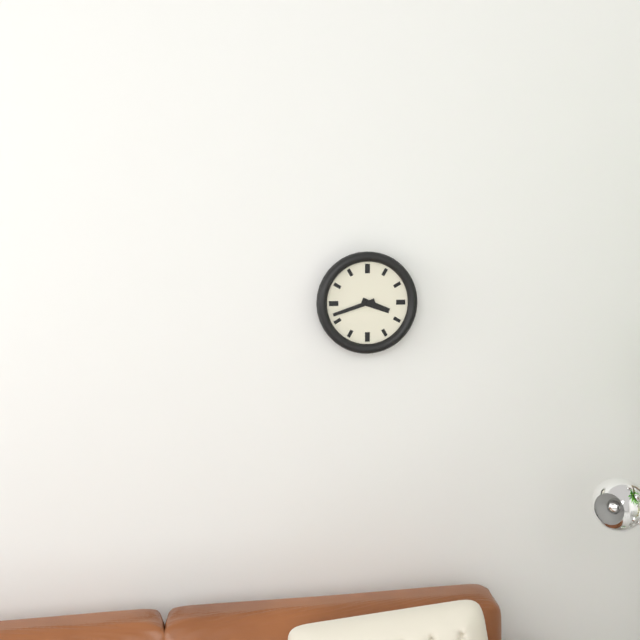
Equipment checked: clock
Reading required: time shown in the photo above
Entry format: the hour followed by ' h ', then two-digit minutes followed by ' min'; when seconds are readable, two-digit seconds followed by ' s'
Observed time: 3 h 42 min
